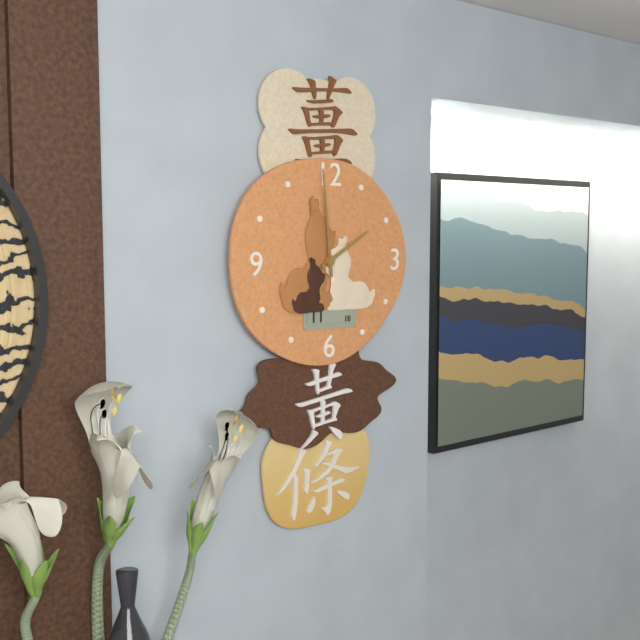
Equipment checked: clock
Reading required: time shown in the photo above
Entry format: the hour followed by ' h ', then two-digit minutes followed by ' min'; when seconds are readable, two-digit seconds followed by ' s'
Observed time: 1 h 59 min
